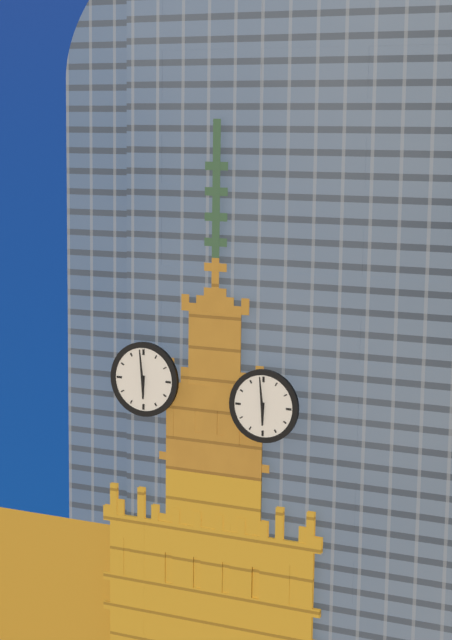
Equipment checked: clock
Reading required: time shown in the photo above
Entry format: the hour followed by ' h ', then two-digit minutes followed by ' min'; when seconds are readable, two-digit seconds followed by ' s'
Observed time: 5 h 59 min
